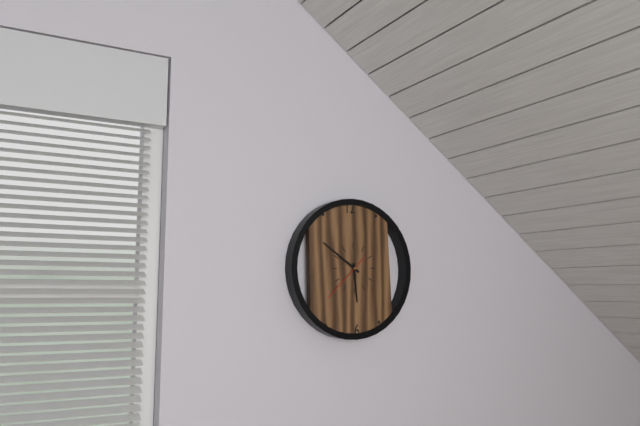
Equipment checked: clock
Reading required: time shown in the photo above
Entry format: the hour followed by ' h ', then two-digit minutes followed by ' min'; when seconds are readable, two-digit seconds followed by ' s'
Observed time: 5 h 51 min
